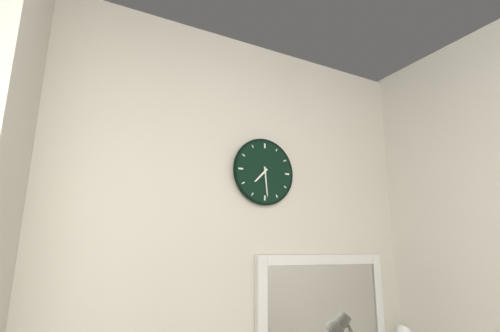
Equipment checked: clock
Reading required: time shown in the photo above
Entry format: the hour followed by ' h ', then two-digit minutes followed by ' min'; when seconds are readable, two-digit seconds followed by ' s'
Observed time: 7 h 29 min
